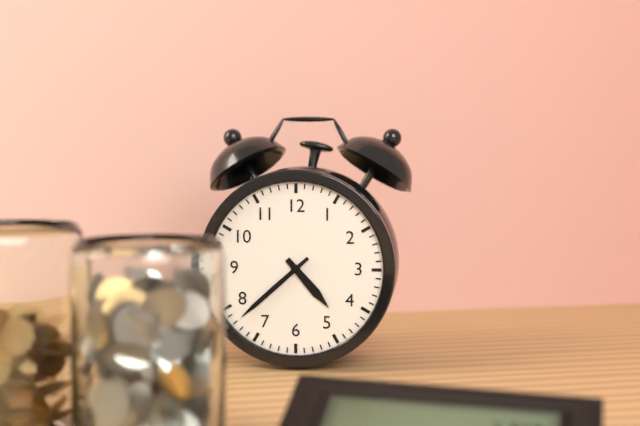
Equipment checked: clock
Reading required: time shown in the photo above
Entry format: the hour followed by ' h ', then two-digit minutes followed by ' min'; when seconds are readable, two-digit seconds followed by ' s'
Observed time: 4 h 38 min
